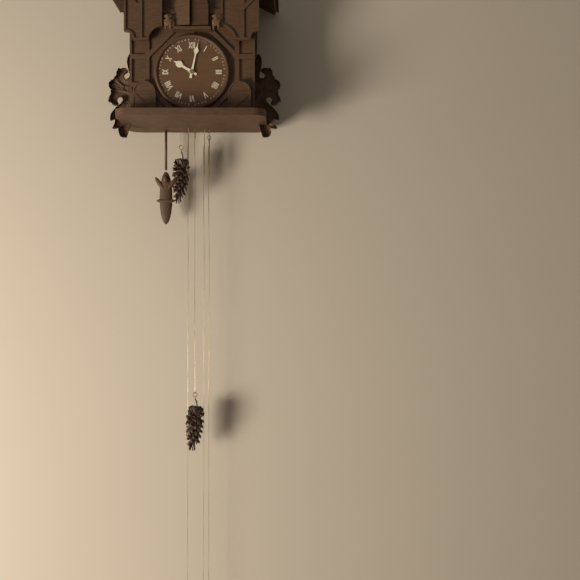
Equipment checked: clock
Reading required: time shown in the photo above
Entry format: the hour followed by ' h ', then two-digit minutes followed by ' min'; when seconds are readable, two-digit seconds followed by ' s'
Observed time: 10 h 02 min
